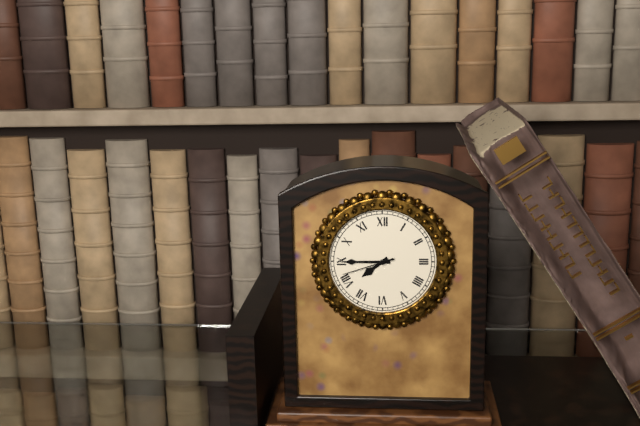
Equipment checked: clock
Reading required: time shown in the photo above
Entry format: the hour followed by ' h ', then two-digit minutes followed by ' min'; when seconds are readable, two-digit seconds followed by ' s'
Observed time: 7 h 45 min 42 s
